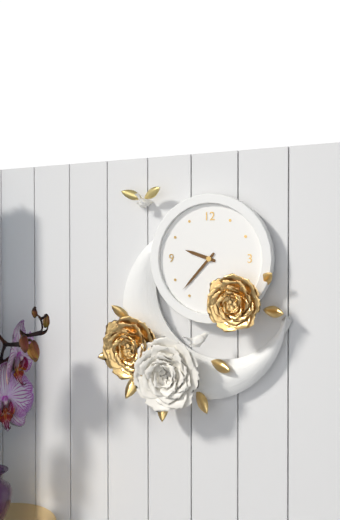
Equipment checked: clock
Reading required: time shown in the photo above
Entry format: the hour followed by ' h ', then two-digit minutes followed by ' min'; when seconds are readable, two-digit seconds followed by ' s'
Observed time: 9 h 37 min
